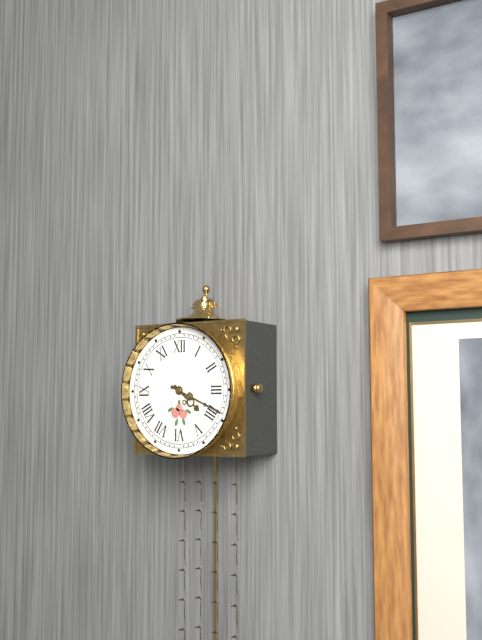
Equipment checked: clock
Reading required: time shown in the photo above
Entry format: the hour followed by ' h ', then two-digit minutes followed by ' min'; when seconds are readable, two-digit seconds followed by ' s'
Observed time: 4 h 19 min
